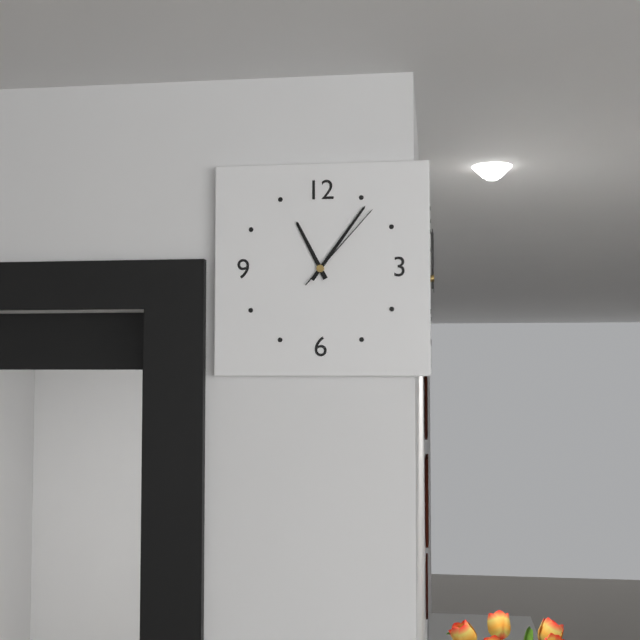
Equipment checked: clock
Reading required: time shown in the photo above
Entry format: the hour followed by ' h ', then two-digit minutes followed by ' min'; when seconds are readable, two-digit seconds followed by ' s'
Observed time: 11 h 06 min 07 s
